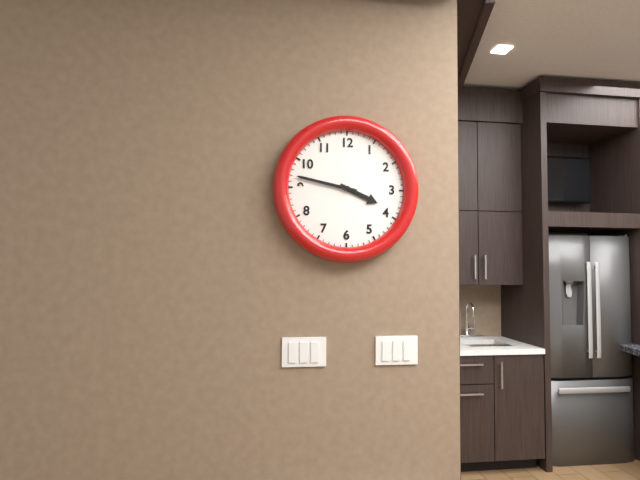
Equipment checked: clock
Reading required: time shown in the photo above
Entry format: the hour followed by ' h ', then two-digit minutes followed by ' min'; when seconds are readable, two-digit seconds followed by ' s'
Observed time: 3 h 47 min
